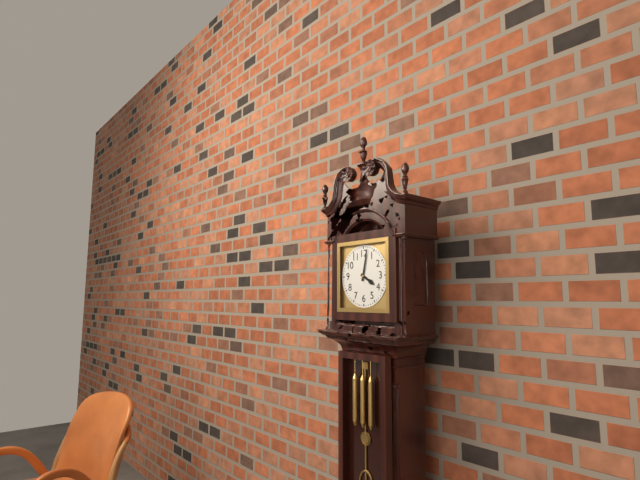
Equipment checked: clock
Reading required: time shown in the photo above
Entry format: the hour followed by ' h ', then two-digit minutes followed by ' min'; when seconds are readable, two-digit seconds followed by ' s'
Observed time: 4 h 02 min
